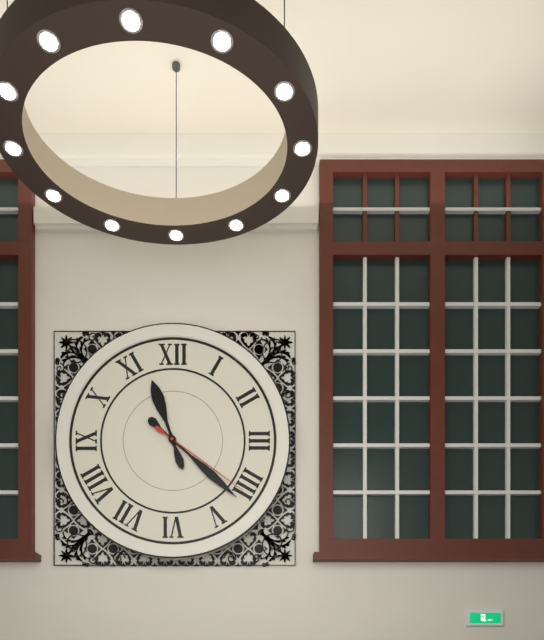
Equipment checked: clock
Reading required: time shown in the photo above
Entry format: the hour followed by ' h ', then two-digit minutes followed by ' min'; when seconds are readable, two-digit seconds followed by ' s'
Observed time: 11 h 22 min 21 s
